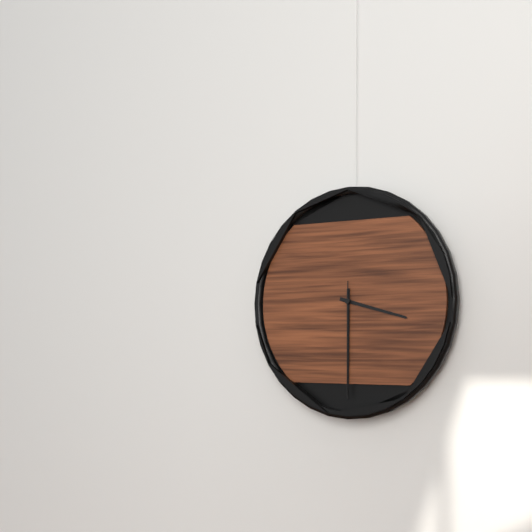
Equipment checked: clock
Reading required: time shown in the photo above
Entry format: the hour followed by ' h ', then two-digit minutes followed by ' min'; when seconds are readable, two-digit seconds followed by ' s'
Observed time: 3 h 30 min 30 s
